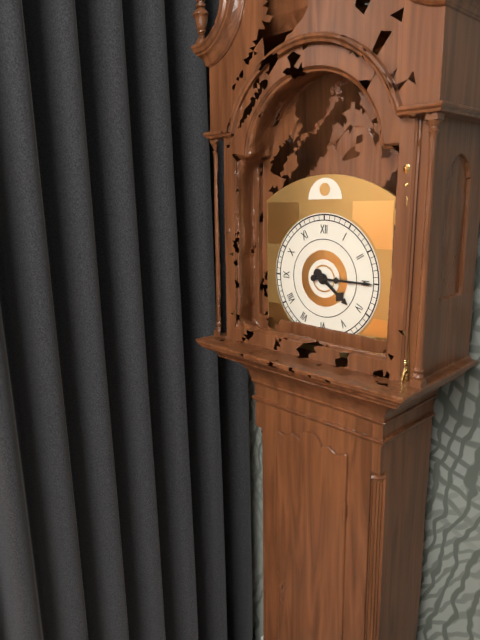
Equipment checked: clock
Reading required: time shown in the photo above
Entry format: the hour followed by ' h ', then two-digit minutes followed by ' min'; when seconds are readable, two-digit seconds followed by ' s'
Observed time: 4 h 15 min
